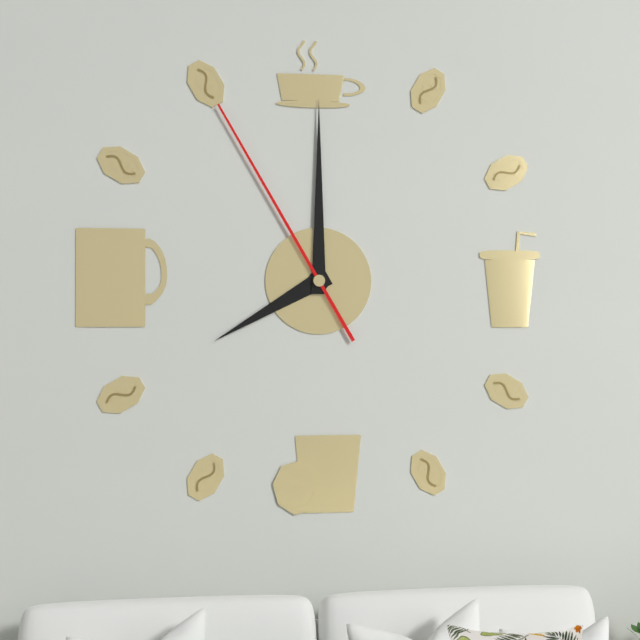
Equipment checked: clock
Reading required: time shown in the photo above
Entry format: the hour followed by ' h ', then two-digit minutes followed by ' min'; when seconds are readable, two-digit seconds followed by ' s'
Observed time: 8 h 00 min 55 s
